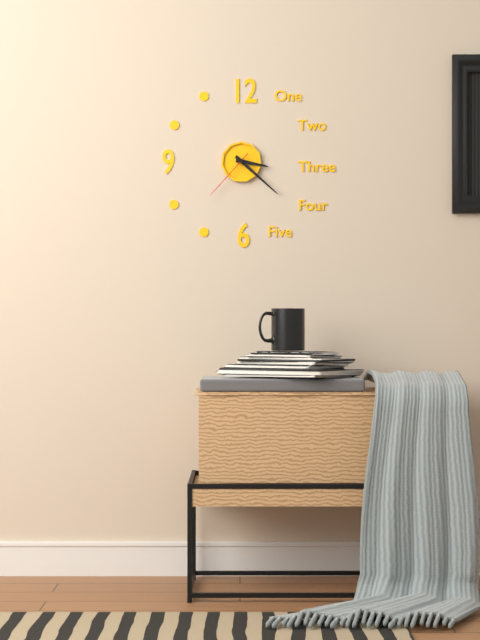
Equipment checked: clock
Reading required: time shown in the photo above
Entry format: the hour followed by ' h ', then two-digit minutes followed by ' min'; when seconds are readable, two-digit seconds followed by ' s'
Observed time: 3 h 22 min 37 s
